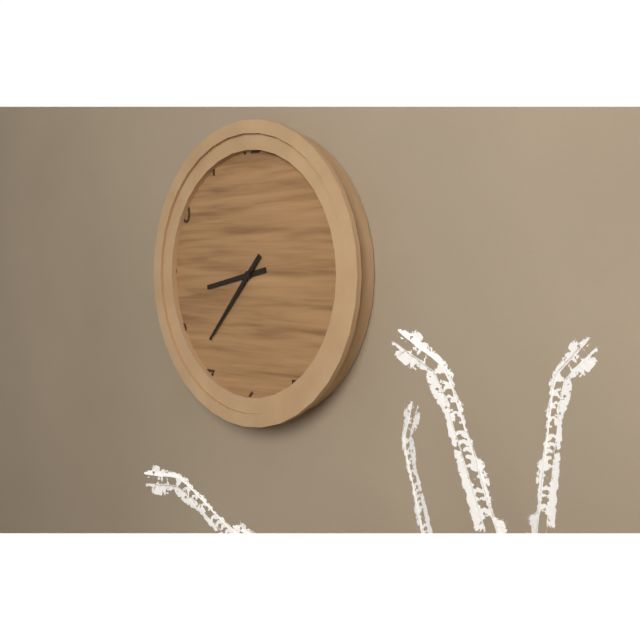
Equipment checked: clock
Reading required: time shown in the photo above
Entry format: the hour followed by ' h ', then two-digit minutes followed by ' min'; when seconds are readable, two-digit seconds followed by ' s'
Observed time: 8 h 37 min
